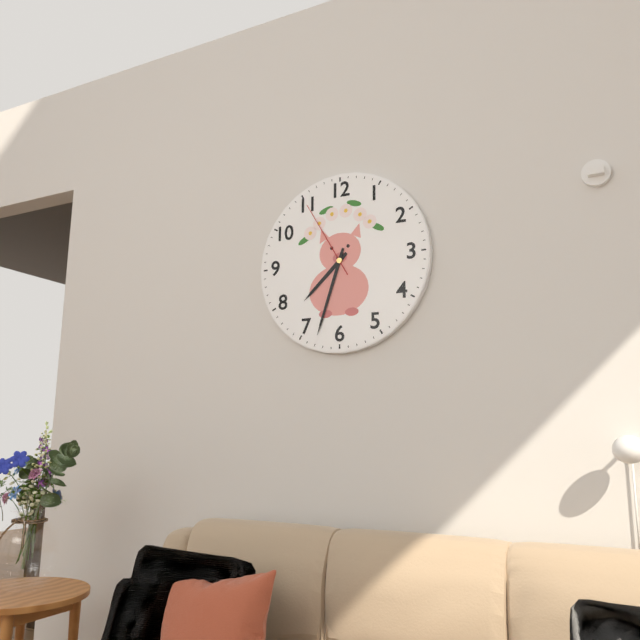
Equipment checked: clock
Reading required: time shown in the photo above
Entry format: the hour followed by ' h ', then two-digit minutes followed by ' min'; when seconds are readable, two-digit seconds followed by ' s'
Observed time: 7 h 33 min 55 s
